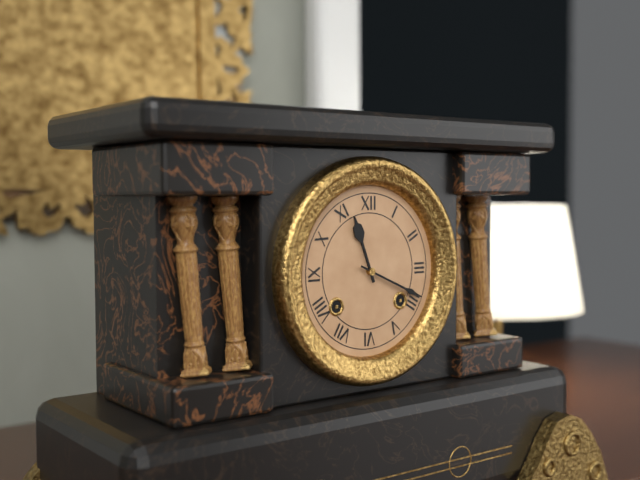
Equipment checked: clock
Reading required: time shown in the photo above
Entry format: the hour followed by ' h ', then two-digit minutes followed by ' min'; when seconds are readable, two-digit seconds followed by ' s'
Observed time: 11 h 19 min
